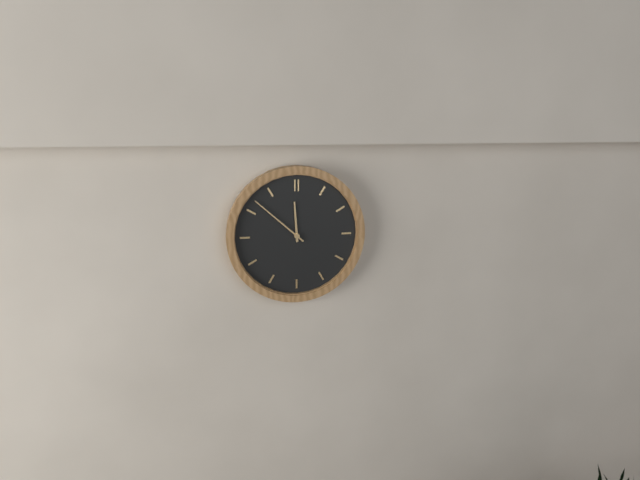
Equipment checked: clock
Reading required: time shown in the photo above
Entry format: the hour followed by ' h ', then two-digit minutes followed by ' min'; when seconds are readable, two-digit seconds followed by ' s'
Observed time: 11 h 52 min
